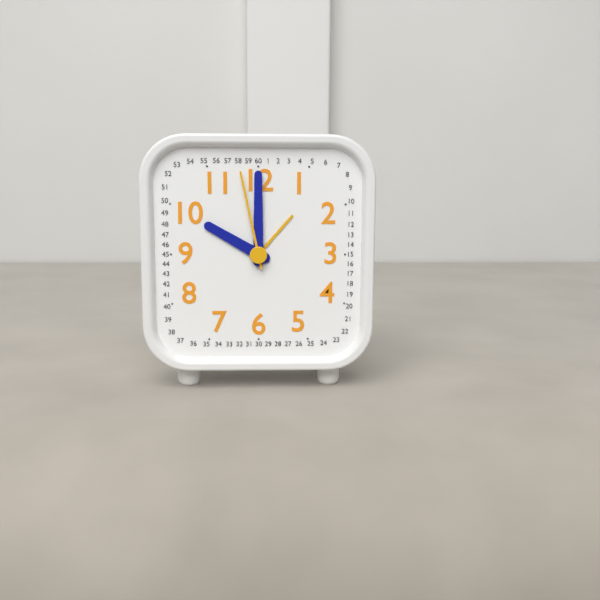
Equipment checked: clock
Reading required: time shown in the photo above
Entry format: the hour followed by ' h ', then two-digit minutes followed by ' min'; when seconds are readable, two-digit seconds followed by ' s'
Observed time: 10 h 00 min 58 s
